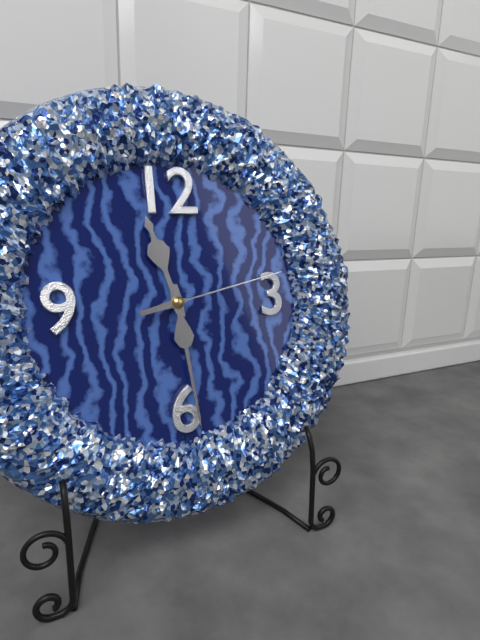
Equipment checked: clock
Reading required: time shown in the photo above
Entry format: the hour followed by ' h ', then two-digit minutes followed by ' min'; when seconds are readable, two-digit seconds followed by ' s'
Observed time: 11 h 29 min 13 s
